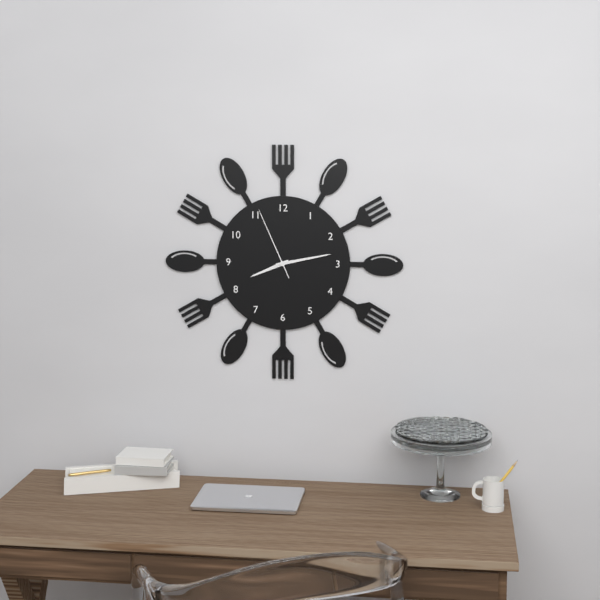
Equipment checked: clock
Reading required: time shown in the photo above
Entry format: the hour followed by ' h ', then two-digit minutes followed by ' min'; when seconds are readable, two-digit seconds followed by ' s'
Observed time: 8 h 13 min 56 s
